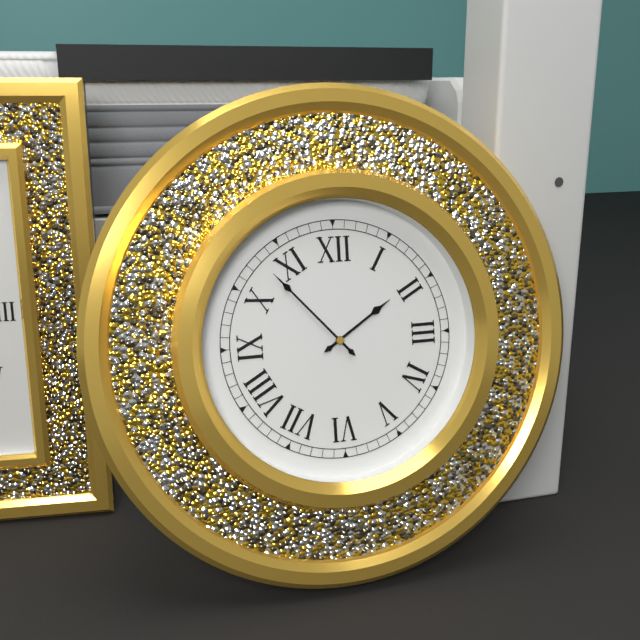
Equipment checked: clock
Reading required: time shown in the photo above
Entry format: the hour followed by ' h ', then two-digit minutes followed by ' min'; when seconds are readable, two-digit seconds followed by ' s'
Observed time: 1 h 53 min
